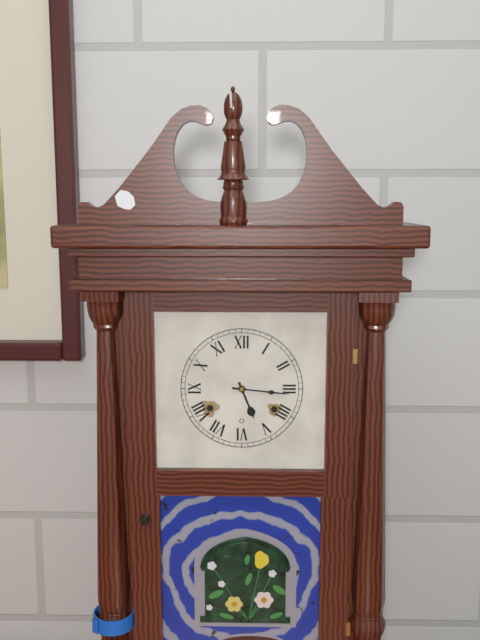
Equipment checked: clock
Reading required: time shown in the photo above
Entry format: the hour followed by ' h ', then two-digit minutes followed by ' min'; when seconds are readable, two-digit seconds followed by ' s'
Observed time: 5 h 16 min
